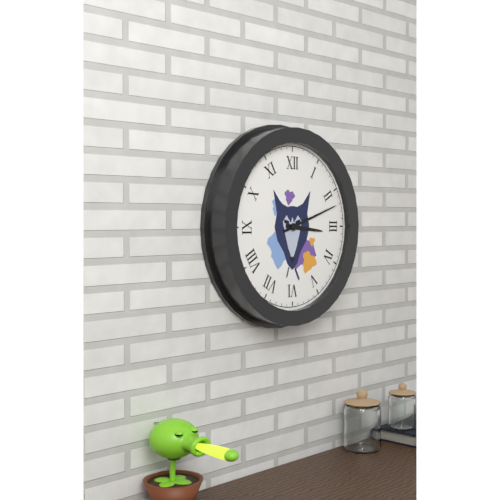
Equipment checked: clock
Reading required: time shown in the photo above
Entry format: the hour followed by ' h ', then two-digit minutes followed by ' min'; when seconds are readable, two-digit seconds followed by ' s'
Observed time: 3 h 12 min
